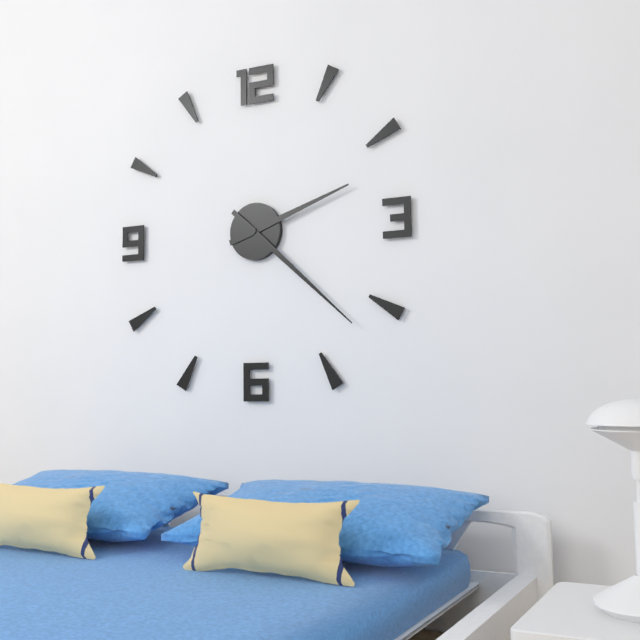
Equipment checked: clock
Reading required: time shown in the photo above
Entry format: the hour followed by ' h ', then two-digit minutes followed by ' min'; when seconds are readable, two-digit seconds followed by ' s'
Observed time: 2 h 22 min
